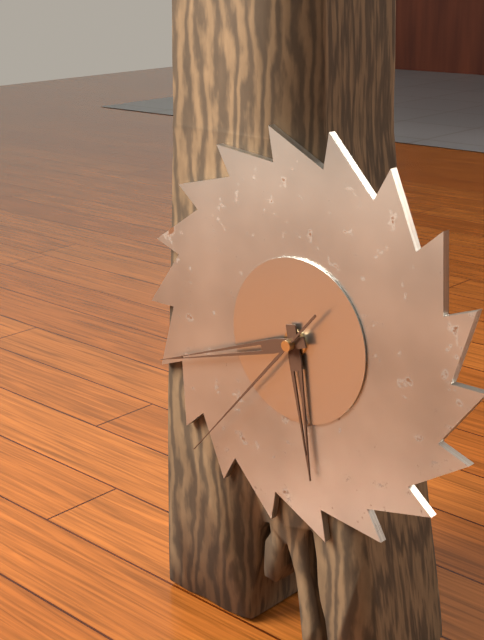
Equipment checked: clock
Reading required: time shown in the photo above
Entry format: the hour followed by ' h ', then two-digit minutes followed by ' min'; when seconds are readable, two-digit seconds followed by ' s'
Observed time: 5 h 42 min 37 s
